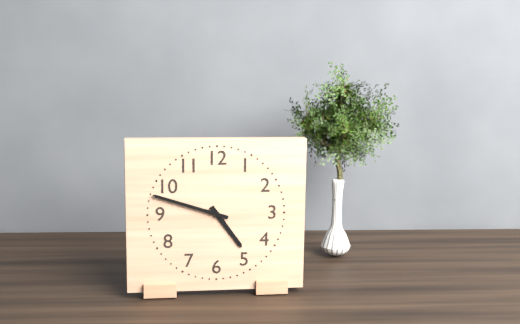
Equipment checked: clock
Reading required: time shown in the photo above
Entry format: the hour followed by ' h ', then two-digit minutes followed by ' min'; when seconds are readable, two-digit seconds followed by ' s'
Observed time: 4 h 48 min
